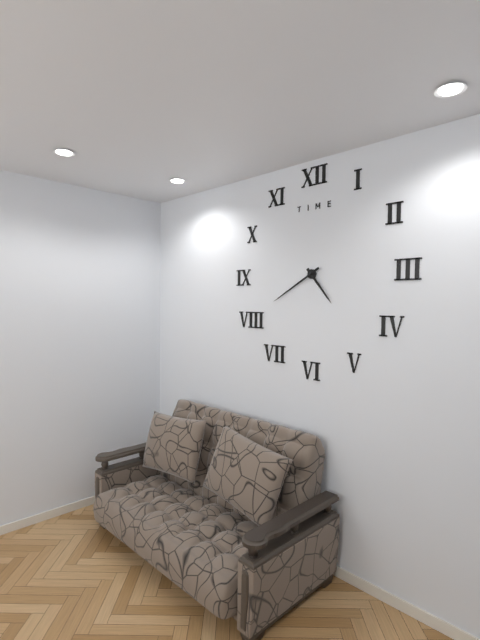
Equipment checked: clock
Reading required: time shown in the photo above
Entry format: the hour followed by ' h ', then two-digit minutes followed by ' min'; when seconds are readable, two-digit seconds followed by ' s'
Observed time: 4 h 40 min
